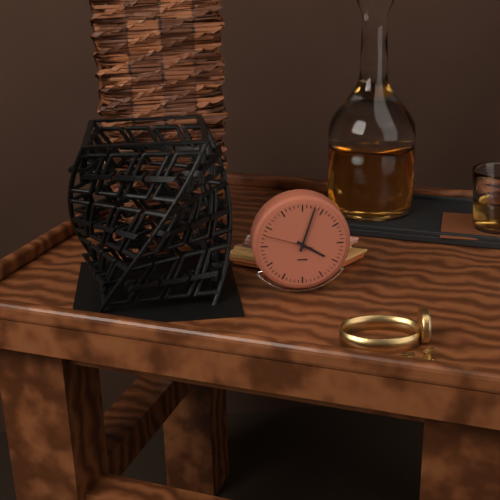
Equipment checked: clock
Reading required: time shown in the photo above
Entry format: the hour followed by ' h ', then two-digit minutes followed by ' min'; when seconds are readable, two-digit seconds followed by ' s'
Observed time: 4 h 03 min 48 s
